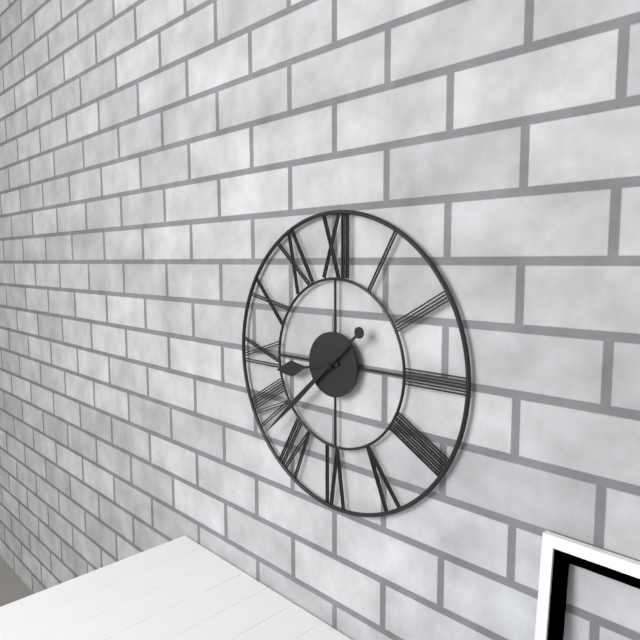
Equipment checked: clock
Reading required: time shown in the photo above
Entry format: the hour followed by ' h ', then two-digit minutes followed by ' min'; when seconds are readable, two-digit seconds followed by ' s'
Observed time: 8 h 38 min
